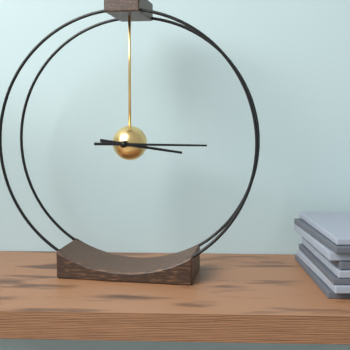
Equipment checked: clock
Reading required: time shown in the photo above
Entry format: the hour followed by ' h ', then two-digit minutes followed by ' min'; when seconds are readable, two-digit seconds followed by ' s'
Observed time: 3 h 15 min
